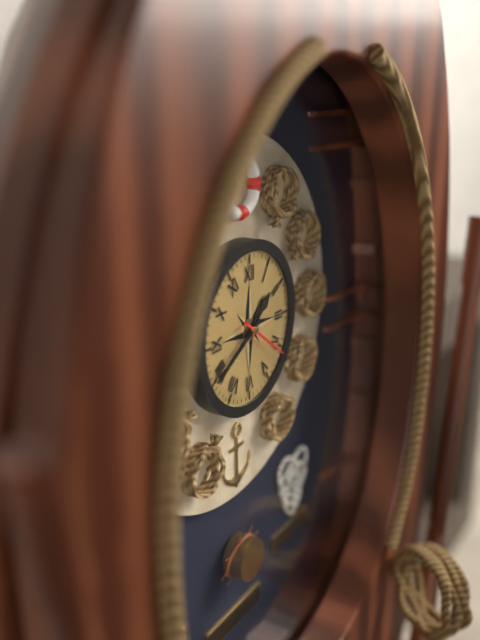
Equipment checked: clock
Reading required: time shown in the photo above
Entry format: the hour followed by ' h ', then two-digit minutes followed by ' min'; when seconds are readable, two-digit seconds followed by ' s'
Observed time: 1 h 40 min 21 s
